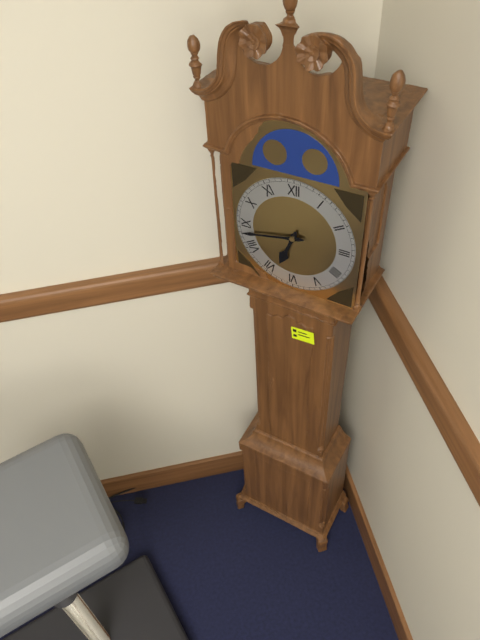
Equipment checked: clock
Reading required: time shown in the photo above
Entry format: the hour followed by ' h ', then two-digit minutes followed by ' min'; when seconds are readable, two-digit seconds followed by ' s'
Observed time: 6 h 43 min
